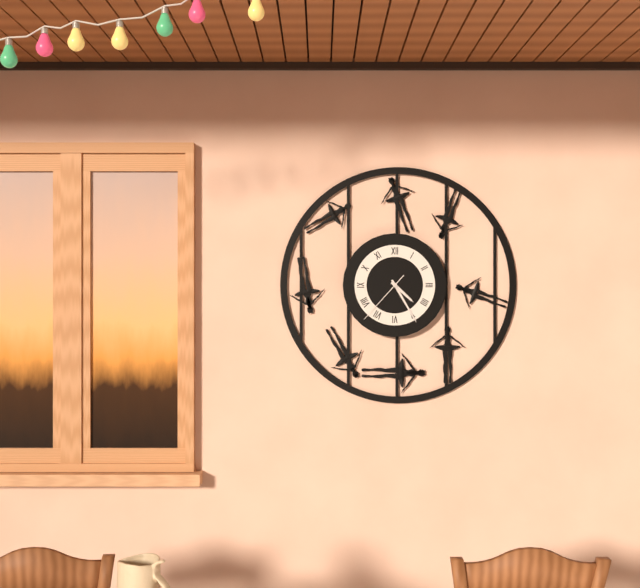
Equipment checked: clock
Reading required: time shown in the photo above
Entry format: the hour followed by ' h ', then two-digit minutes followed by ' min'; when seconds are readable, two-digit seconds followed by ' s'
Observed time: 4 h 25 min 37 s
